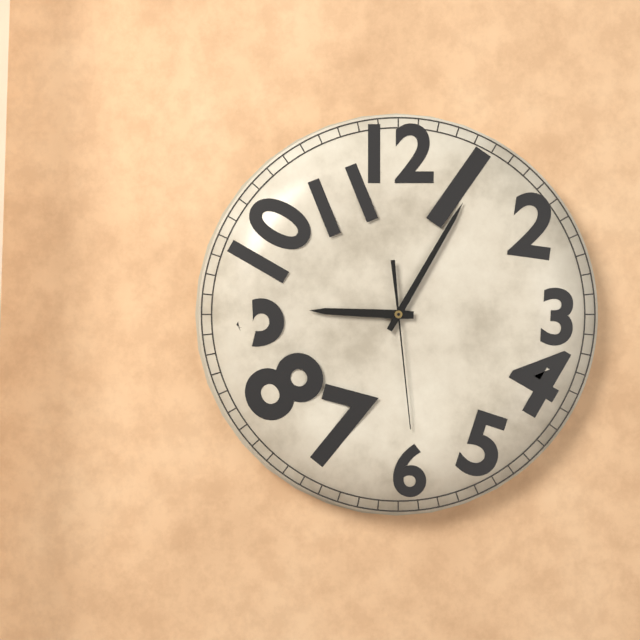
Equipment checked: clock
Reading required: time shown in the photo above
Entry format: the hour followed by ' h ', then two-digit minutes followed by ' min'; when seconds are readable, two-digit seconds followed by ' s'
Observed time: 9 h 05 min 29 s
